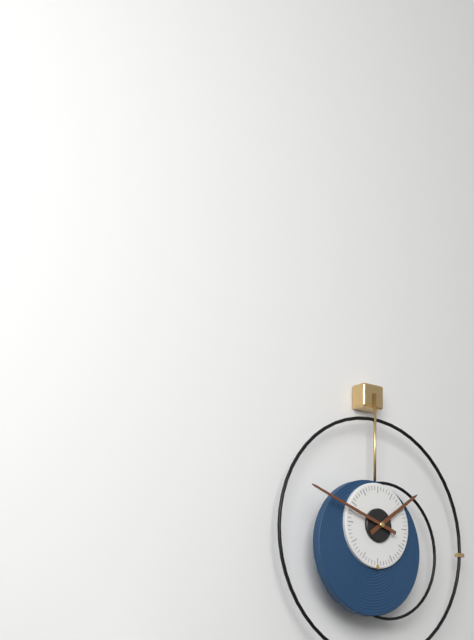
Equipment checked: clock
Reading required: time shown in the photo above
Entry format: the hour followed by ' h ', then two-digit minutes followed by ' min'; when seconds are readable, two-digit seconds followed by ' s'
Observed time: 1 h 48 min
